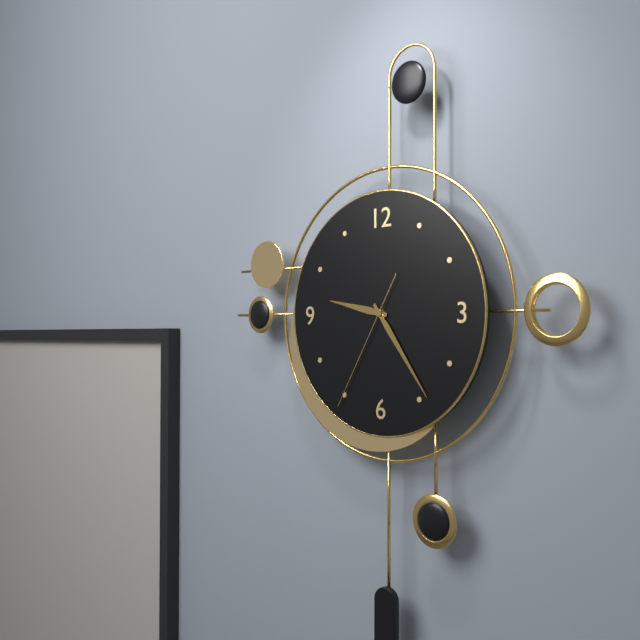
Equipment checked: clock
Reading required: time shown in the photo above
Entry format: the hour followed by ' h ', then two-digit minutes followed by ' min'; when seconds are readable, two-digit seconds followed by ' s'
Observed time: 9 h 24 min 35 s
